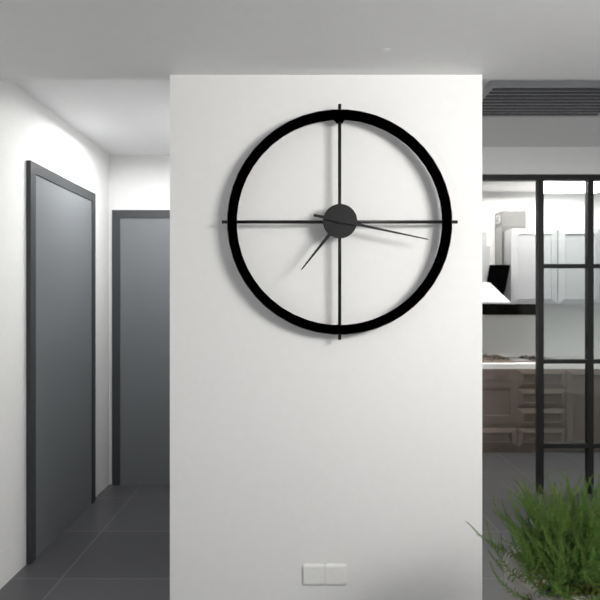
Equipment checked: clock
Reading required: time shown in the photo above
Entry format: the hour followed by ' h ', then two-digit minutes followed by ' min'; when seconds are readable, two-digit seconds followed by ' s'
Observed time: 7 h 17 min
